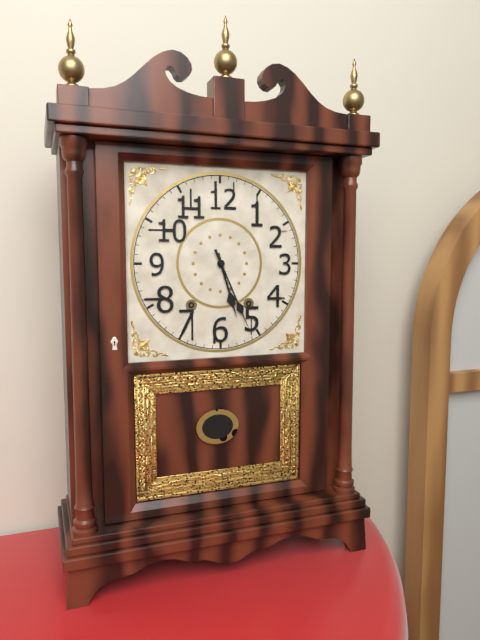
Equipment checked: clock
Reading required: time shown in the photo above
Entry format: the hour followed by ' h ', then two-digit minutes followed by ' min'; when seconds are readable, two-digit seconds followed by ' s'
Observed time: 5 h 26 min
